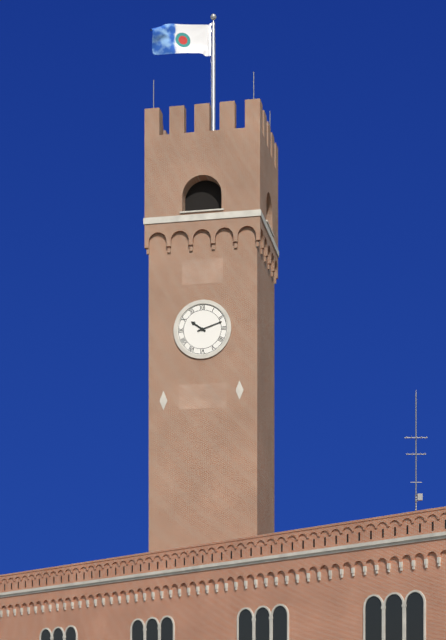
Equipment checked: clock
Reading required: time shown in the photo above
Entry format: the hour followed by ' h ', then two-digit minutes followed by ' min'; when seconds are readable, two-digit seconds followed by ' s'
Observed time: 10 h 12 min
